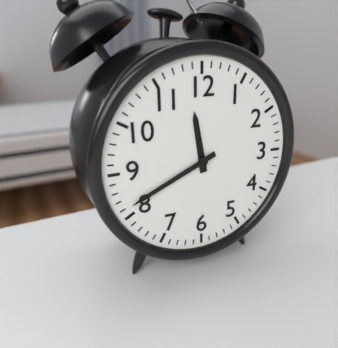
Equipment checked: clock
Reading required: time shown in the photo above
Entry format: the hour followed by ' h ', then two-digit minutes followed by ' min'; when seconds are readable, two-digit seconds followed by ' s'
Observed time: 11 h 41 min
